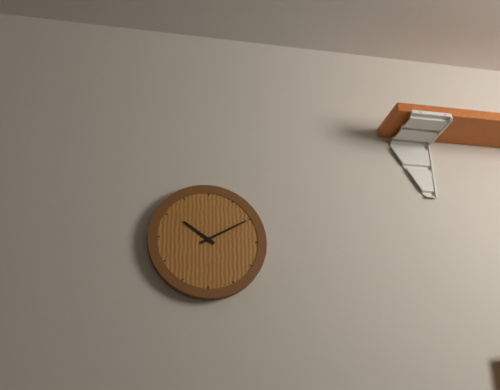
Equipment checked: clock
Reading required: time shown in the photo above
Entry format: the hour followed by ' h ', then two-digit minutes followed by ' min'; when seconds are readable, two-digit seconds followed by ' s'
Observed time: 10 h 10 min
